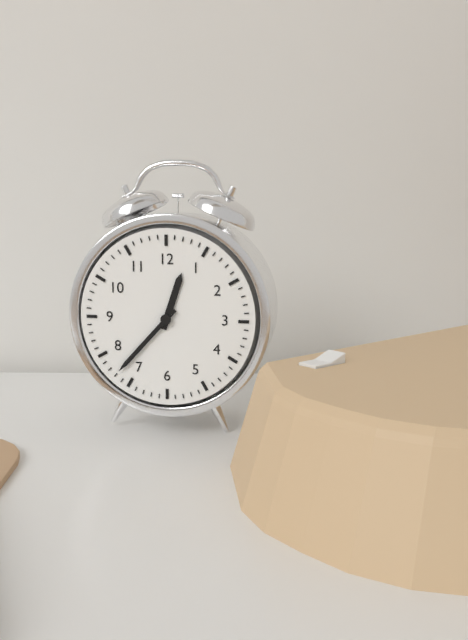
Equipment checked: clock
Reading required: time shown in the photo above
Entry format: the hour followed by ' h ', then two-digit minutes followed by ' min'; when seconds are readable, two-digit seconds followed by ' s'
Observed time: 12 h 37 min
